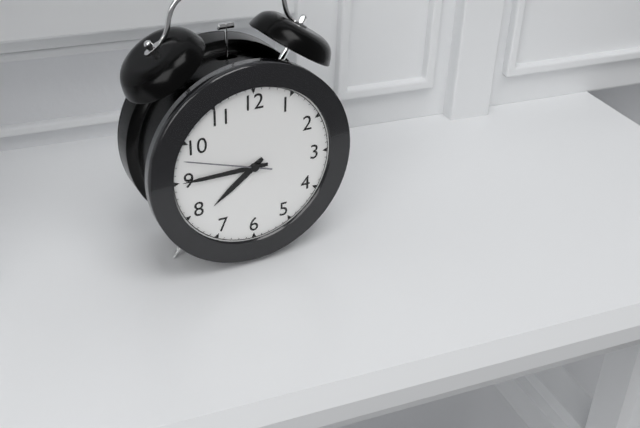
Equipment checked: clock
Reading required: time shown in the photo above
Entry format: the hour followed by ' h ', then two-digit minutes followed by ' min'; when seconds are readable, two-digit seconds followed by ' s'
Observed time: 7 h 45 min 48 s
